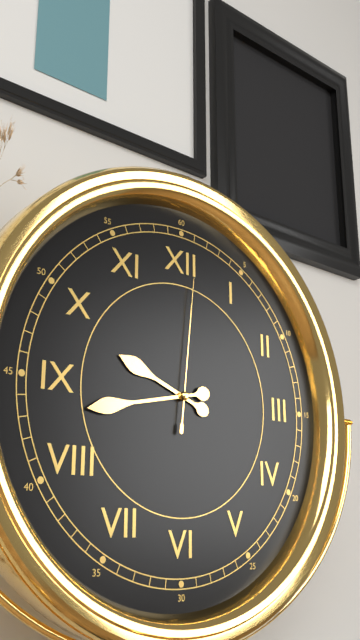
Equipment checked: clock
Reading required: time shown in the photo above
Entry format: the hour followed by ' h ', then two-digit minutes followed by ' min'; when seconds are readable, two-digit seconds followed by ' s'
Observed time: 9 h 43 min 01 s
